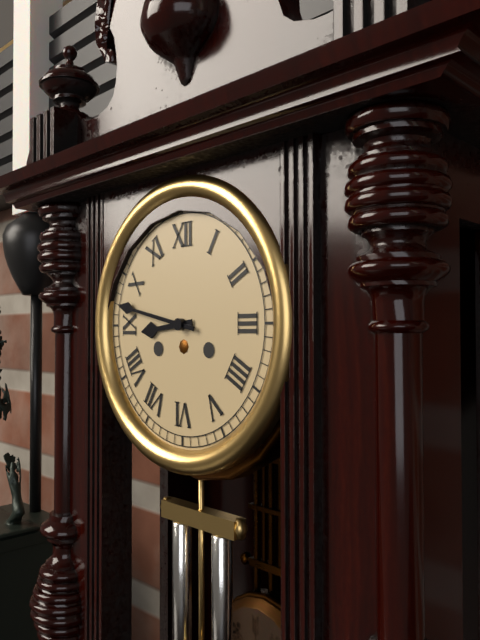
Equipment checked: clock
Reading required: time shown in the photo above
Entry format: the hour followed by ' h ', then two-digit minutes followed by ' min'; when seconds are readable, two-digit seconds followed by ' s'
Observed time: 8 h 47 min
